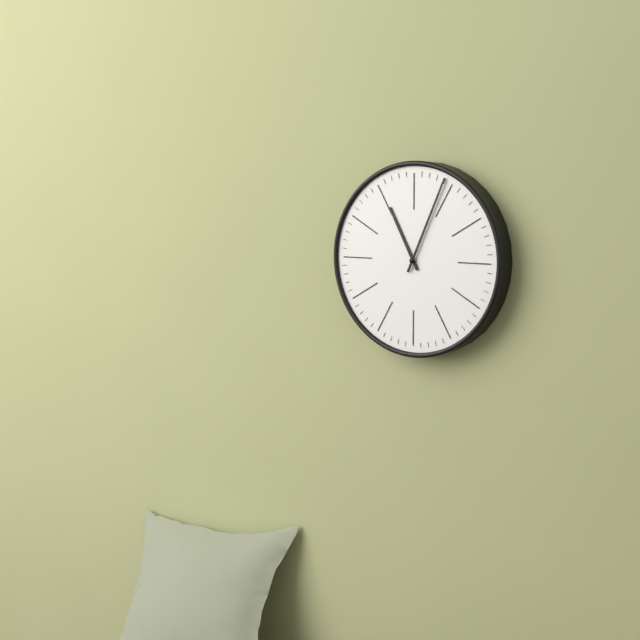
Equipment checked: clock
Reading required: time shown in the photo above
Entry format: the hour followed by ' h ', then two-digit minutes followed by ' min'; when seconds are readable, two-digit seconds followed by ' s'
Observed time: 11 h 04 min
